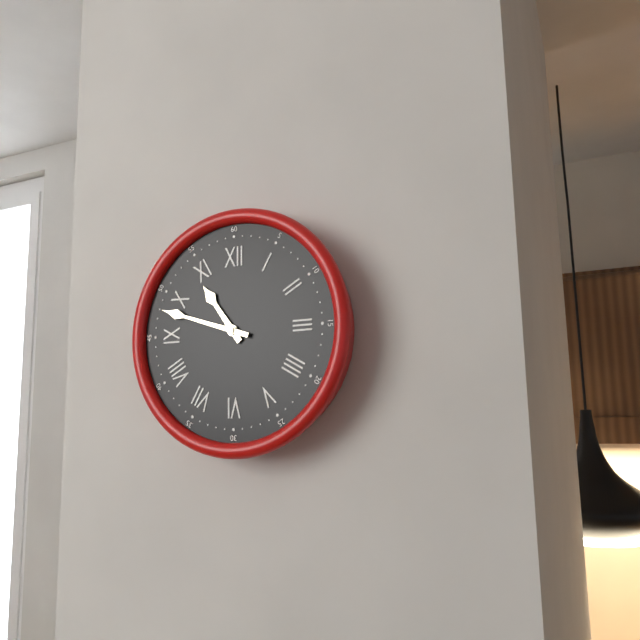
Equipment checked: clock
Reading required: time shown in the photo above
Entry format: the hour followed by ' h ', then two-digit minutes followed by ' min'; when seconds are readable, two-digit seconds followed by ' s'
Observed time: 10 h 48 min
